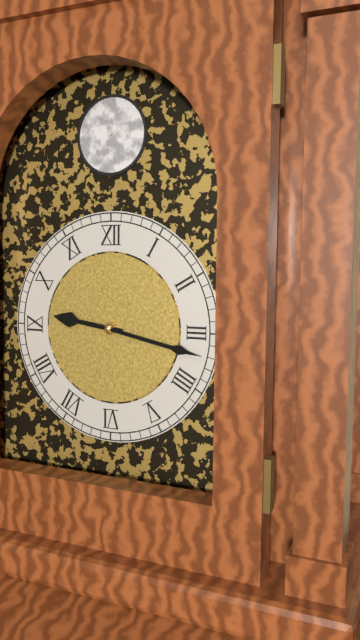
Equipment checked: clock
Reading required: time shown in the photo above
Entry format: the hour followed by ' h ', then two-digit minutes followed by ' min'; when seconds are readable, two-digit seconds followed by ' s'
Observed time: 9 h 17 min
